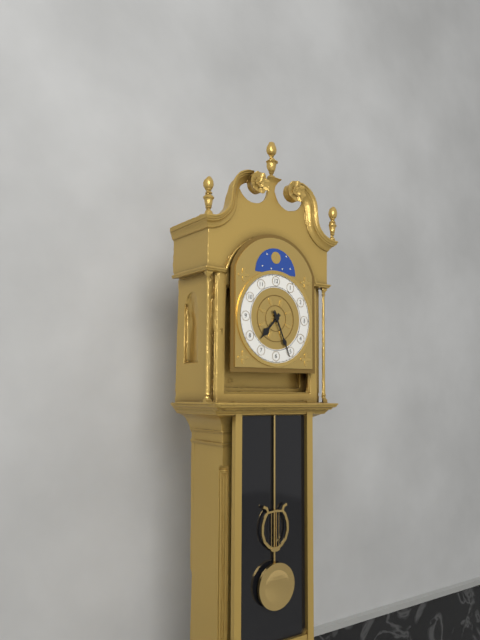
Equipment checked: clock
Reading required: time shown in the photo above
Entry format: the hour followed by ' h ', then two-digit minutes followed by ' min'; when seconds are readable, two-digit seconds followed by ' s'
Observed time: 7 h 26 min
